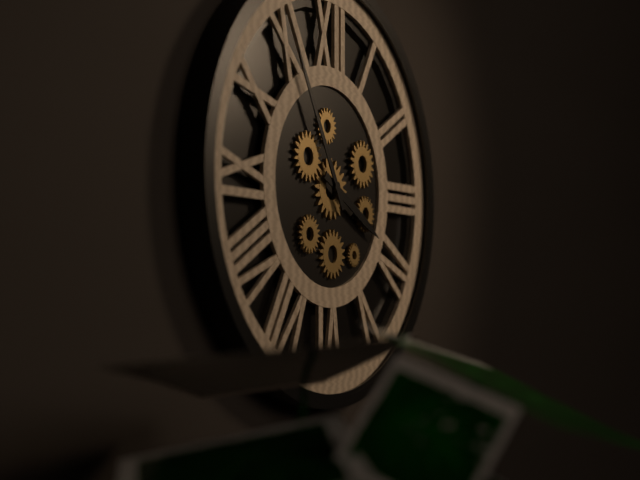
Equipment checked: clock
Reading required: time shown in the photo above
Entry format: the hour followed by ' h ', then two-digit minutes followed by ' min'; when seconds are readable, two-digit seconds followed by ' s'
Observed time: 3 h 55 min
